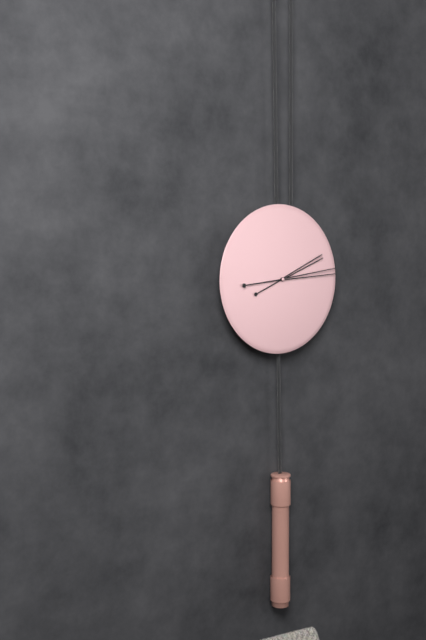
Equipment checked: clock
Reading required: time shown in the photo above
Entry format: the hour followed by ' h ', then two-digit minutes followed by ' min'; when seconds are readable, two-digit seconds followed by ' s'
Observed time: 2 h 14 min
